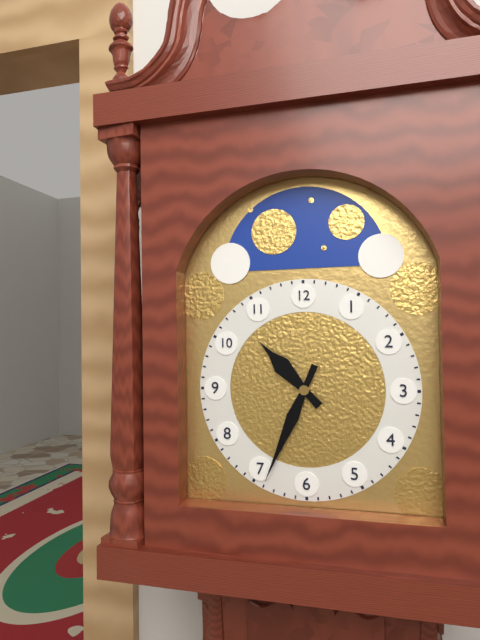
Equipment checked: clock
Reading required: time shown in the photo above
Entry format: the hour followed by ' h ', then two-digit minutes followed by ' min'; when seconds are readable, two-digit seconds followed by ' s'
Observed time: 10 h 34 min
